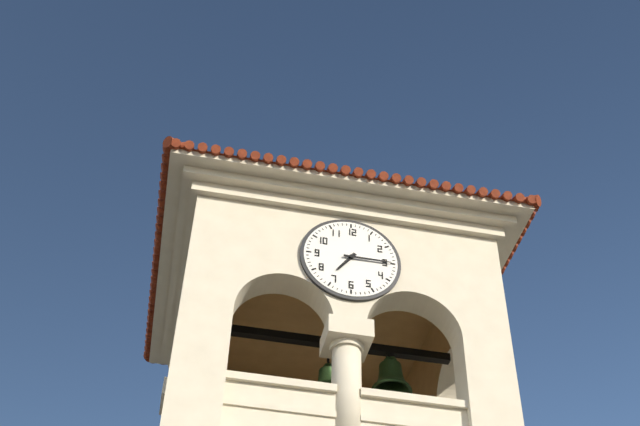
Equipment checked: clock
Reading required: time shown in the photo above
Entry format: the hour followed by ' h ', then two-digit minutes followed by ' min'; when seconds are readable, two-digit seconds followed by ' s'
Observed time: 7 h 15 min
